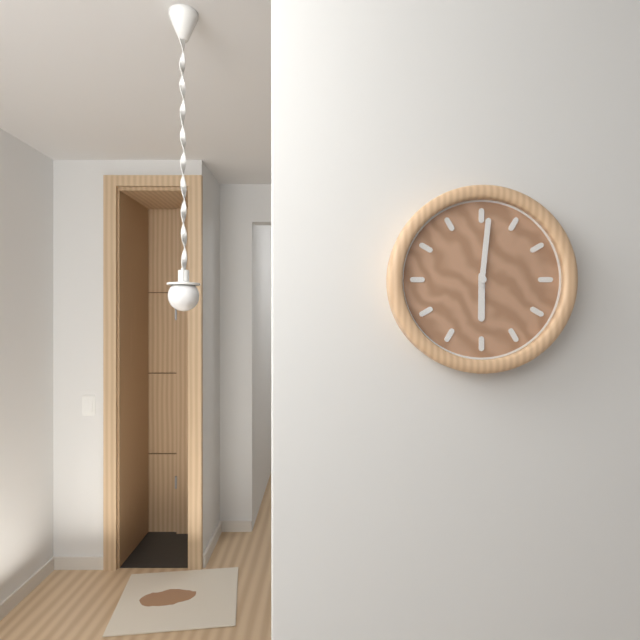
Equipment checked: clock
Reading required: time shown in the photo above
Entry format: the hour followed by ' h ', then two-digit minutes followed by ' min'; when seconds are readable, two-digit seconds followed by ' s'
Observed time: 6 h 01 min
